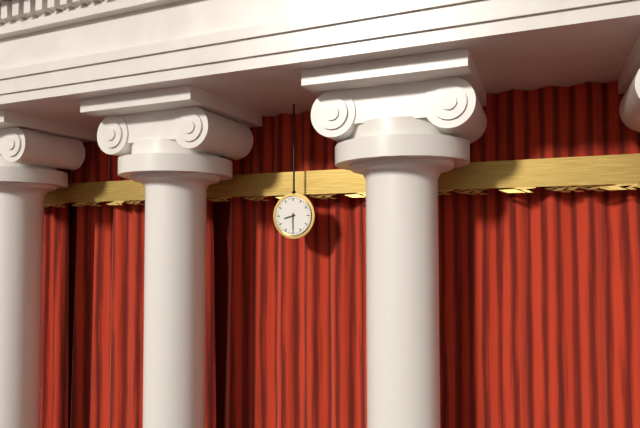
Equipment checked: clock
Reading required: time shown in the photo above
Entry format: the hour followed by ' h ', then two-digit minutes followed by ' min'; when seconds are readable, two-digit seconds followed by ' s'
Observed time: 8 h 30 min
